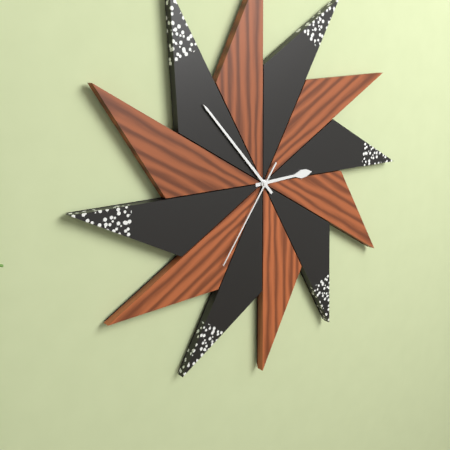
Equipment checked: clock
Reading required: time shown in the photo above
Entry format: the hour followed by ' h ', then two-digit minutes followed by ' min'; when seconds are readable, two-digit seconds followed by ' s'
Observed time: 2 h 53 min 36 s
